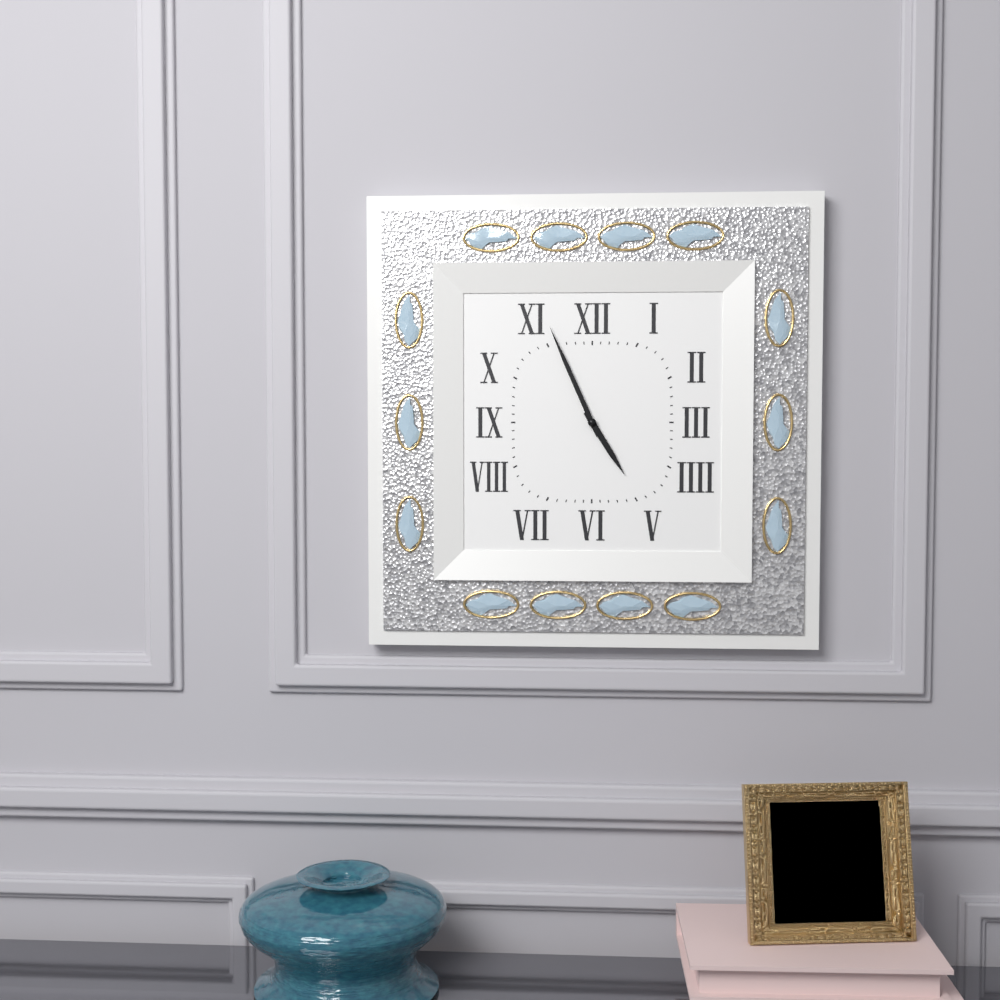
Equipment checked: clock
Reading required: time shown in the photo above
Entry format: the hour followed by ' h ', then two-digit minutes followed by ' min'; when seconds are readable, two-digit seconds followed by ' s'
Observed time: 4 h 56 min
